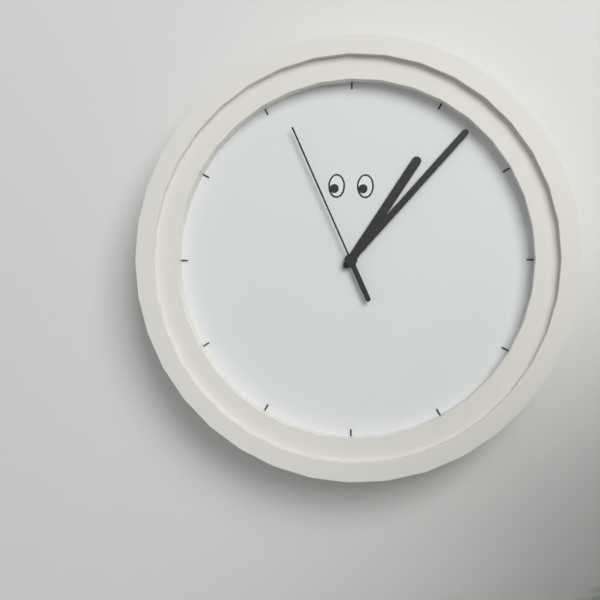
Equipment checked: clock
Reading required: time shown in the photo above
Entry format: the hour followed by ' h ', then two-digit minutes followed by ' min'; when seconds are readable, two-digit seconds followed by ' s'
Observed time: 1 h 07 min 56 s
